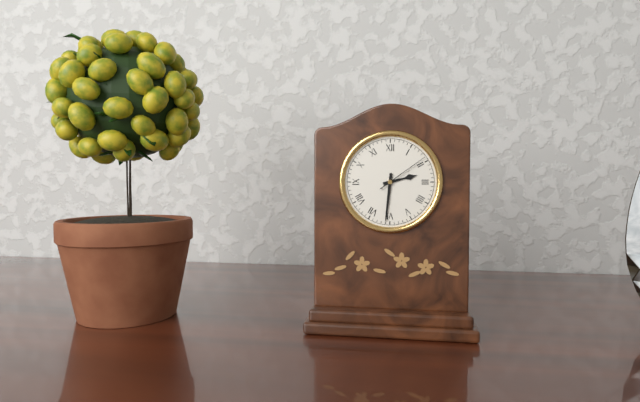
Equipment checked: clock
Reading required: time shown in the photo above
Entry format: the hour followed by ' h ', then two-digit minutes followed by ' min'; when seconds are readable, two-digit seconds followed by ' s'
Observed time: 2 h 31 min 09 s
